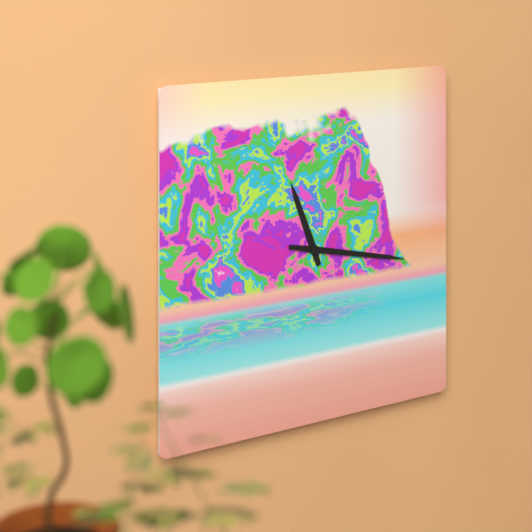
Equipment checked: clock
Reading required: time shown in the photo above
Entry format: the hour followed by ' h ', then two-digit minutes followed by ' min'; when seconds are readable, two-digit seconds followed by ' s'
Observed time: 11 h 17 min
